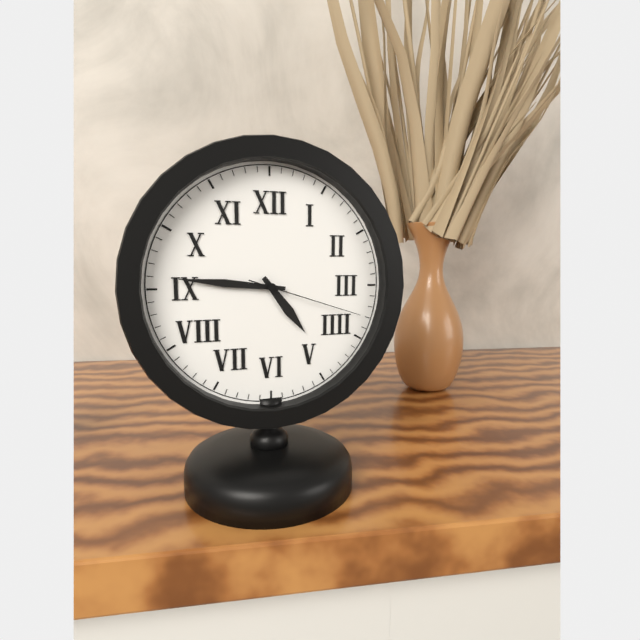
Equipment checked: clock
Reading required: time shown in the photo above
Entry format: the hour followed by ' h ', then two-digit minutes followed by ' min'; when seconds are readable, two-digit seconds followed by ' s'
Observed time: 4 h 46 min 18 s
